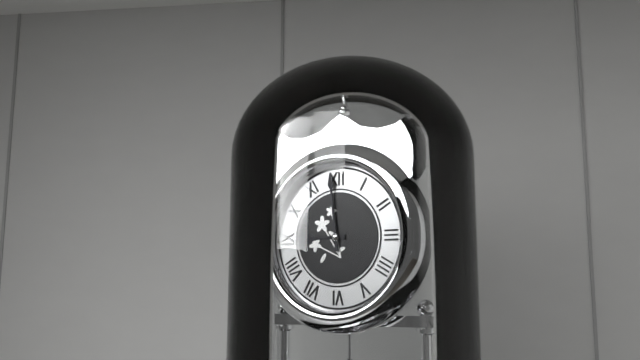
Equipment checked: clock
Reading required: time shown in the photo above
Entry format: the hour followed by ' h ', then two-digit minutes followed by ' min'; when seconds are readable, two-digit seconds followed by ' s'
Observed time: 8 h 59 min
